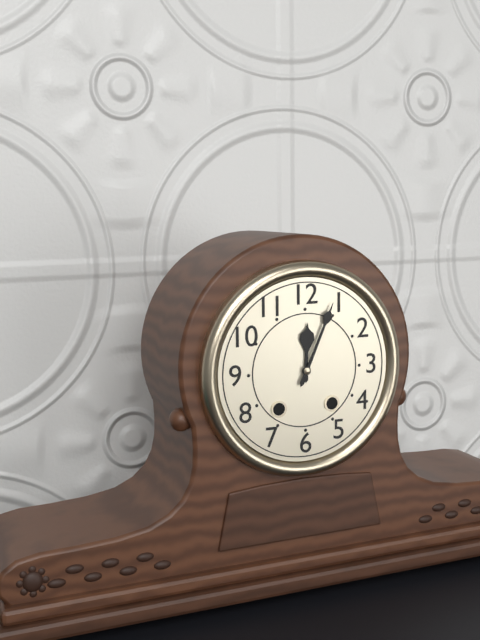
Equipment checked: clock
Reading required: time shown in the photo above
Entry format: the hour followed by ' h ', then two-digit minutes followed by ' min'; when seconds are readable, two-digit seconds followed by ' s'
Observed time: 12 h 04 min
